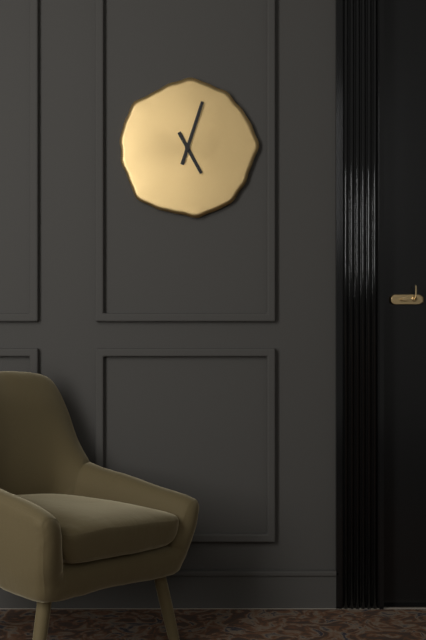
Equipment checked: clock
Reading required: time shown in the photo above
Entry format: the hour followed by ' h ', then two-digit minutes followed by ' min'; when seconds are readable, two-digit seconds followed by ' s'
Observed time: 5 h 03 min
